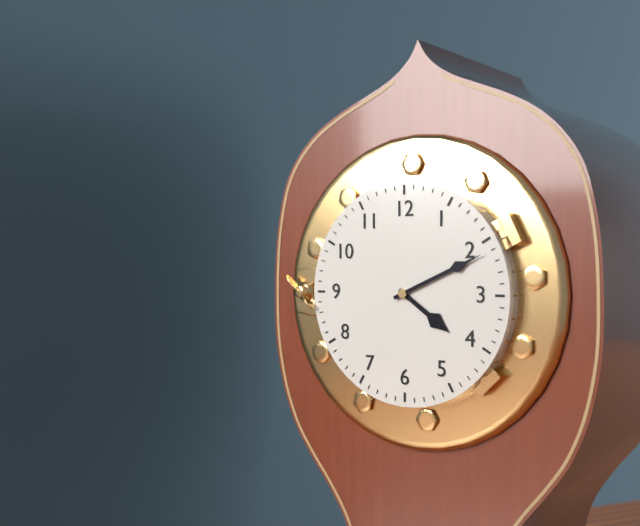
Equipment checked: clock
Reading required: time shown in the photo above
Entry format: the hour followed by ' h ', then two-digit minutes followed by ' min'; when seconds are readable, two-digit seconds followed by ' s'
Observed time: 4 h 11 min
